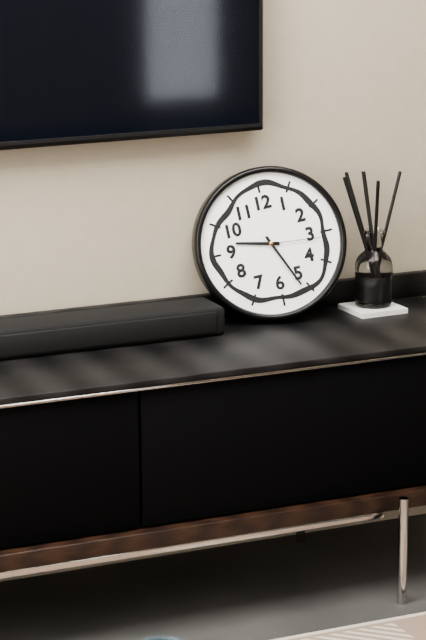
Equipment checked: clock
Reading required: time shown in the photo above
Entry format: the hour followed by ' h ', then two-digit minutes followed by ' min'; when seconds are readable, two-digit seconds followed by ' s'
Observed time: 9 h 26 min 16 s
